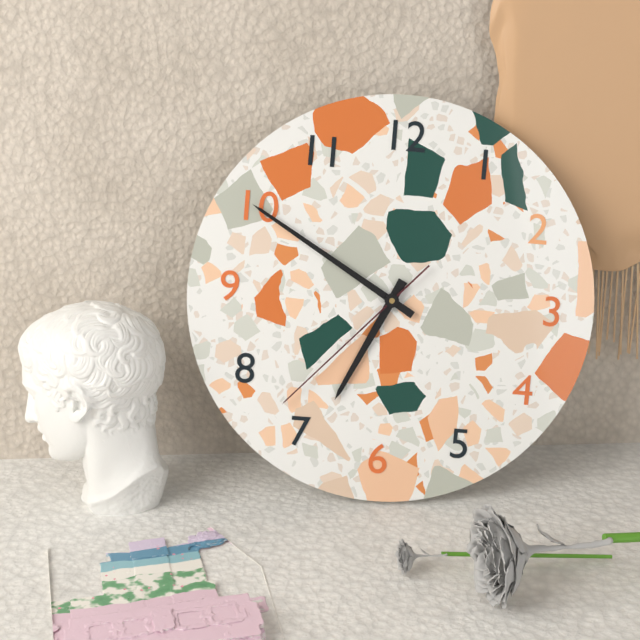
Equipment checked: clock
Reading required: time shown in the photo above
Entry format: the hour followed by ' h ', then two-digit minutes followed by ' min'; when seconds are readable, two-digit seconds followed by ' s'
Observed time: 6 h 50 min 37 s
